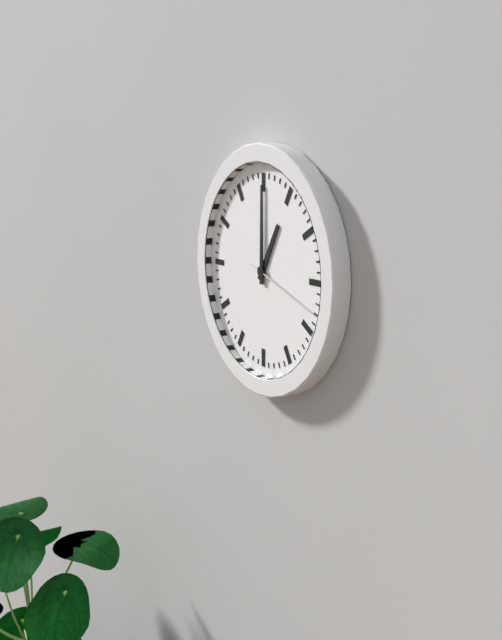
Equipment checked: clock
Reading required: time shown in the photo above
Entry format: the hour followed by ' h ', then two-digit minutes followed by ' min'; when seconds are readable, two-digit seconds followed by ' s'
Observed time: 1 h 00 min 18 s
